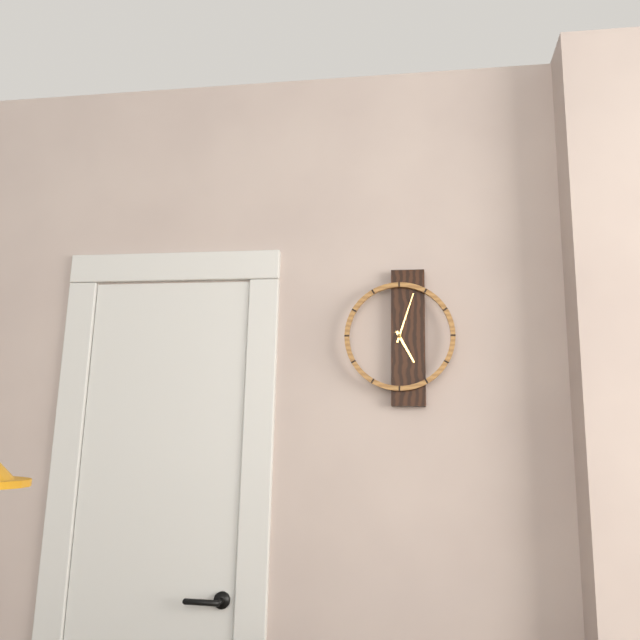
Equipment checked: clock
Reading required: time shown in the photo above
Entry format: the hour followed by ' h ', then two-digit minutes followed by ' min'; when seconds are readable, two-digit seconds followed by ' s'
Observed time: 5 h 03 min
